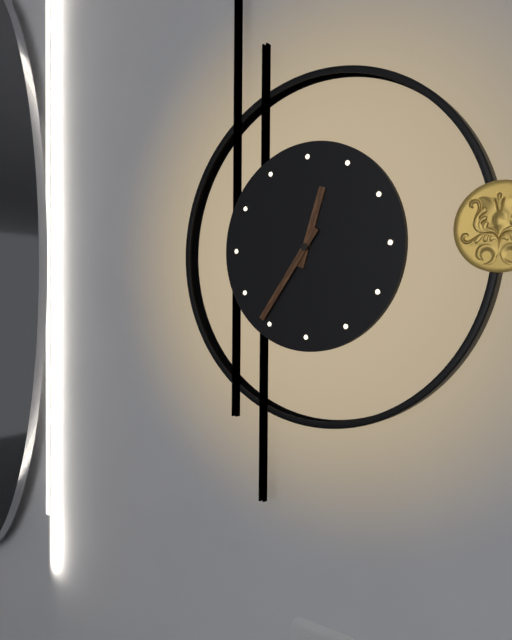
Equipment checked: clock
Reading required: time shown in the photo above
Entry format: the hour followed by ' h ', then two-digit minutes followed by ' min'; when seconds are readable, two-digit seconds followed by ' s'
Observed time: 12 h 36 min
